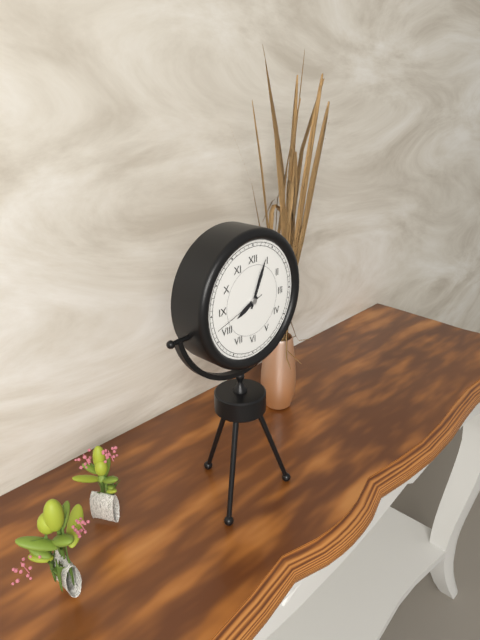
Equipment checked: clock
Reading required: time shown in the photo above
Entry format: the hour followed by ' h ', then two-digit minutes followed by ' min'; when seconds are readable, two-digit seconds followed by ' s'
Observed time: 8 h 04 min 42 s
